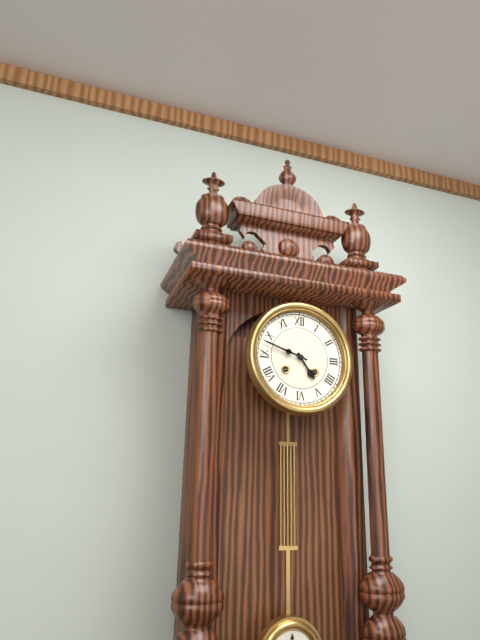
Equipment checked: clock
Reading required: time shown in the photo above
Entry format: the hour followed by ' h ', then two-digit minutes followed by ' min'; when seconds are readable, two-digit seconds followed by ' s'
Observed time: 4 h 48 min
